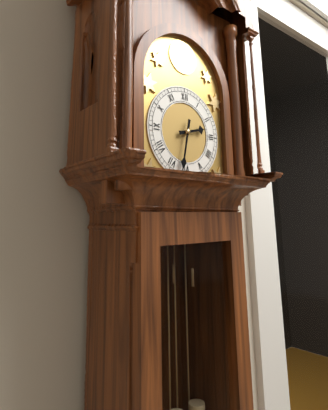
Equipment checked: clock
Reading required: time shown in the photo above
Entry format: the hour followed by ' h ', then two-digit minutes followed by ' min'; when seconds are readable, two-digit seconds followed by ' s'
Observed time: 2 h 32 min
